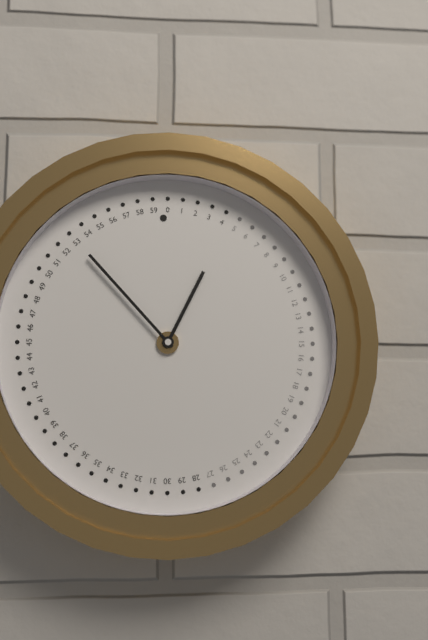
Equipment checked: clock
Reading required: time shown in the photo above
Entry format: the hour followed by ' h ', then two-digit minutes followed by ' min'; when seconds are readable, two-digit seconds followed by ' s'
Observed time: 12 h 53 min
